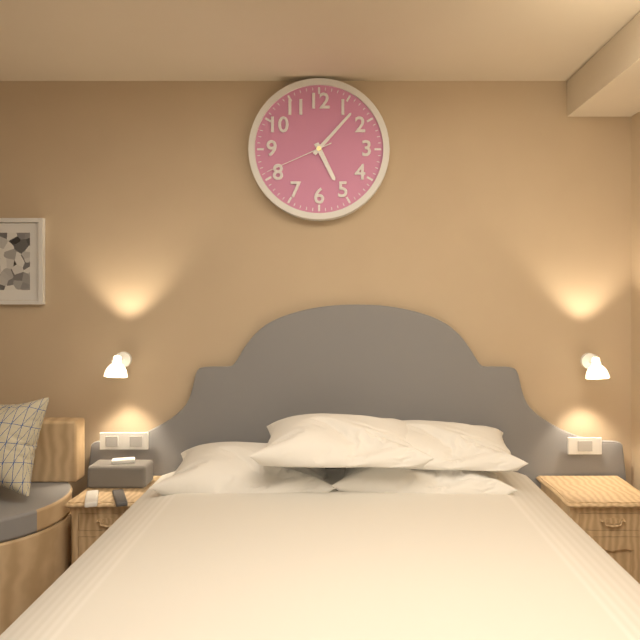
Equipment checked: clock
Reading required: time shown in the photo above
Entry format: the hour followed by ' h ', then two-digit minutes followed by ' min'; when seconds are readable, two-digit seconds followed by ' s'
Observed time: 5 h 07 min 41 s
